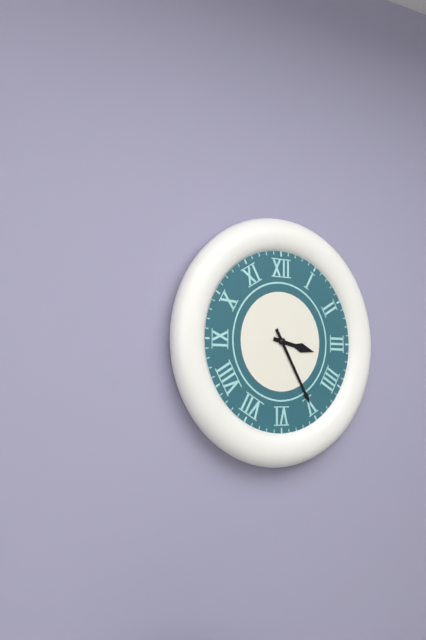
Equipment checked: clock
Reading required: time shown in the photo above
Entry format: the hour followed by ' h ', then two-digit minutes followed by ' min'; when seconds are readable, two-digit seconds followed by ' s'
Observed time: 3 h 25 min
